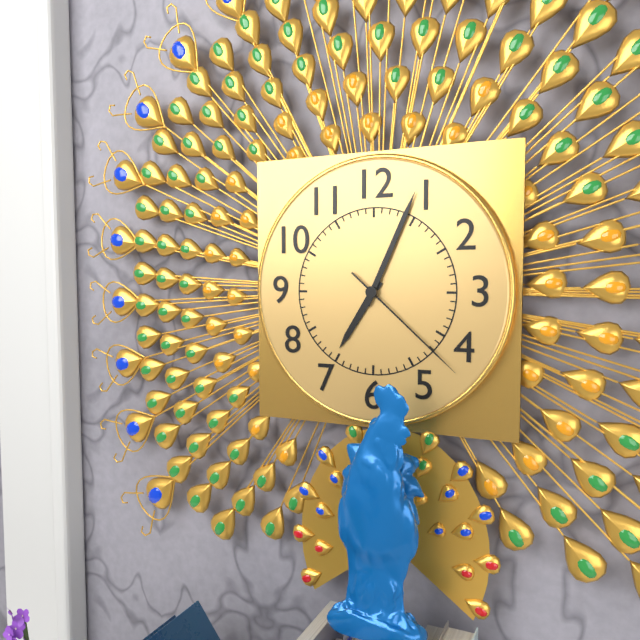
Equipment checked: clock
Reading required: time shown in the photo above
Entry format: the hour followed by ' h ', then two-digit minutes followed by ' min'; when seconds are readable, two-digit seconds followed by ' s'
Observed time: 7 h 04 min 22 s
